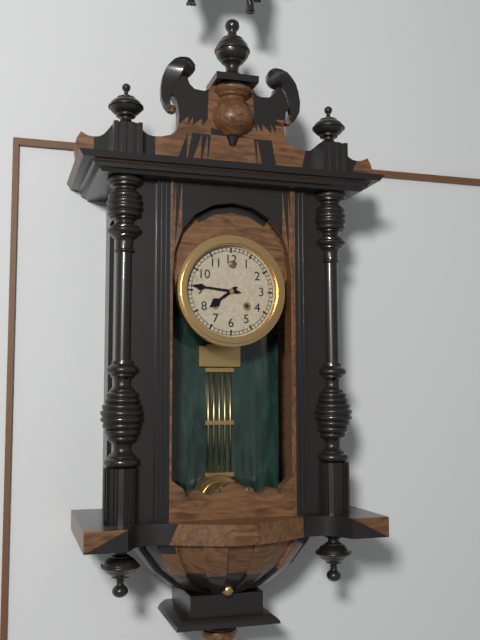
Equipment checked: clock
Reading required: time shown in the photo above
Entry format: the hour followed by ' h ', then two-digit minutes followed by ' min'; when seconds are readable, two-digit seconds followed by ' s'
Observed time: 7 h 46 min
